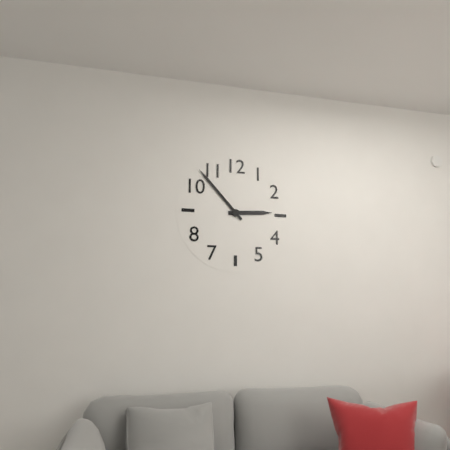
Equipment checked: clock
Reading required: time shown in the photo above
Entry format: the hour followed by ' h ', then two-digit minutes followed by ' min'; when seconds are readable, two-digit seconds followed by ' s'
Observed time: 2 h 53 min
